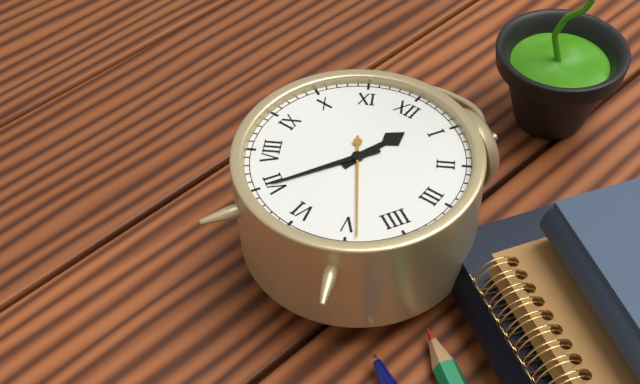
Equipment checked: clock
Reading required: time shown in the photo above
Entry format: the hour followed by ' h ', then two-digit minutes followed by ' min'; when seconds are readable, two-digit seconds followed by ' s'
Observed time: 12 h 35 min 24 s
